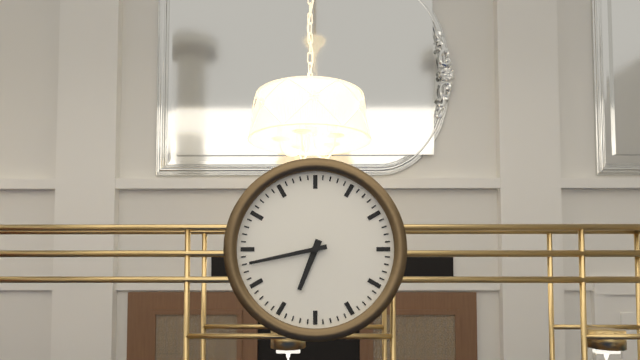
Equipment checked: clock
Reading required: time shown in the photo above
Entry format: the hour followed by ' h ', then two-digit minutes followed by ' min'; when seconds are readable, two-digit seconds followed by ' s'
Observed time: 6 h 43 min
